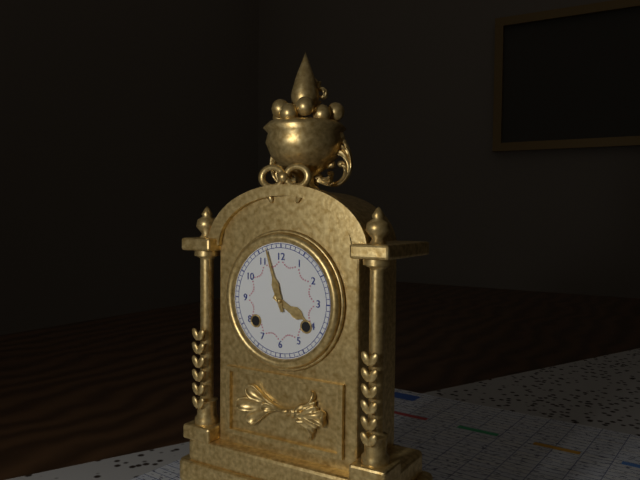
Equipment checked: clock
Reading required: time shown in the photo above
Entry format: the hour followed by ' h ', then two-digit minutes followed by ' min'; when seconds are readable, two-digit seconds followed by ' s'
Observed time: 3 h 57 min
